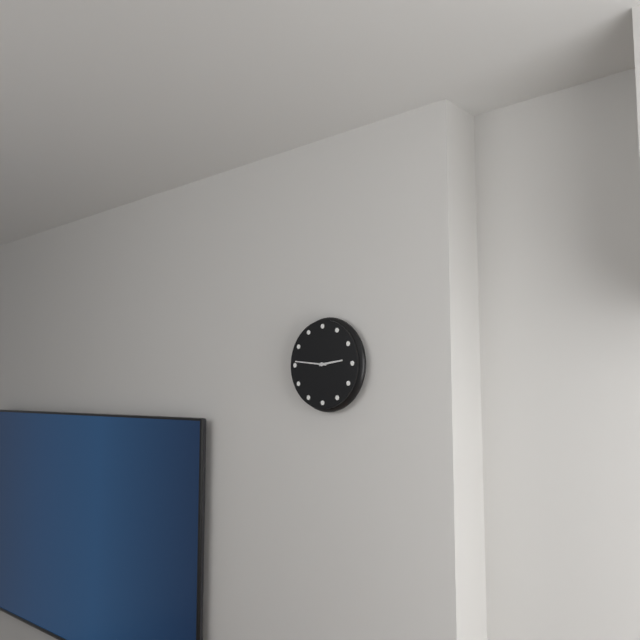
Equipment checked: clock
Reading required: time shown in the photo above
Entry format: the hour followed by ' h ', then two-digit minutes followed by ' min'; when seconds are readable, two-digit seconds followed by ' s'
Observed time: 2 h 46 min
